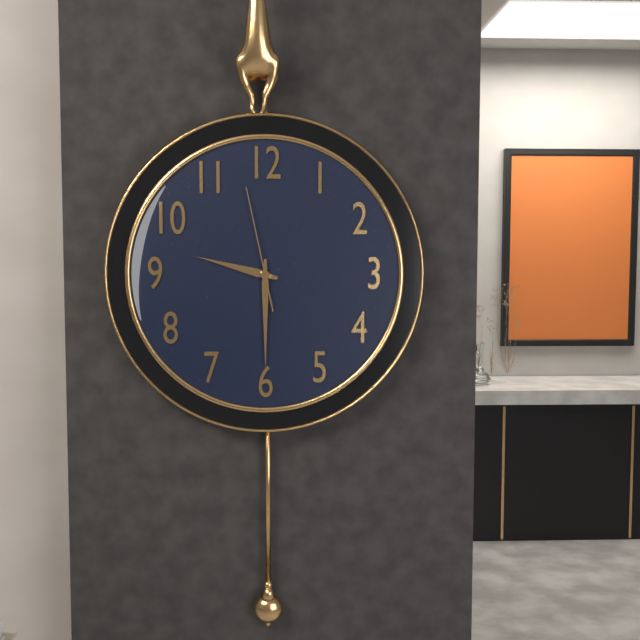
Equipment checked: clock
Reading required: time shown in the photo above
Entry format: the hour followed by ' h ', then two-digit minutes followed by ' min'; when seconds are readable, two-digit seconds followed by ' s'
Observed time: 9 h 30 min 58 s
